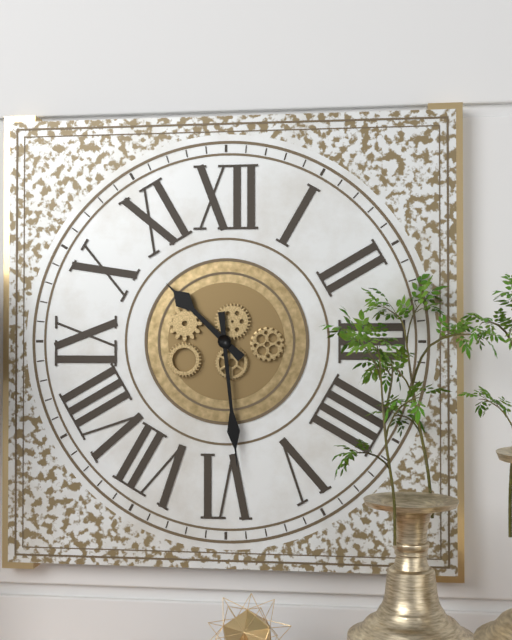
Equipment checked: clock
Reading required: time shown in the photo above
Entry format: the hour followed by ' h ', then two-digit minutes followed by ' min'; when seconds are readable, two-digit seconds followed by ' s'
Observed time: 10 h 29 min
